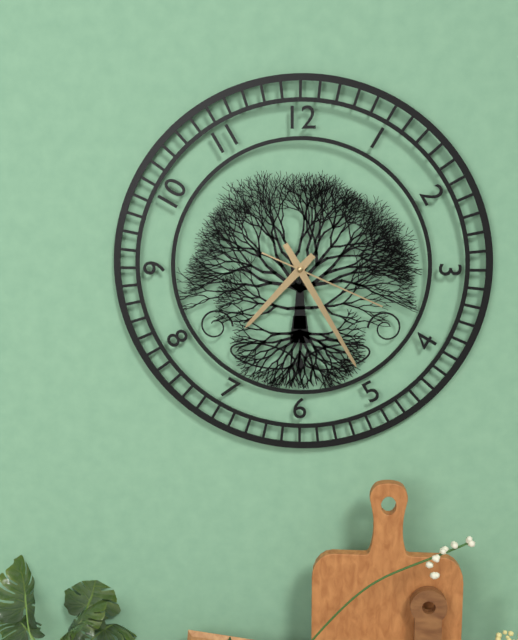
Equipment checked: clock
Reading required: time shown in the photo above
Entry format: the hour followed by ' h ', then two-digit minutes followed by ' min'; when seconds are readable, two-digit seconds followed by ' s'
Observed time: 7 h 25 min 19 s
